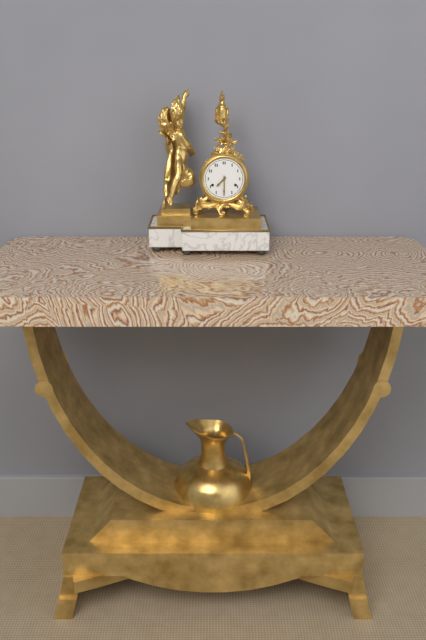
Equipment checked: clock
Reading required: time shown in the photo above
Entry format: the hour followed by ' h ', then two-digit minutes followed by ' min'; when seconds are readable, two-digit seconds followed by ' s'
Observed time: 7 h 30 min
